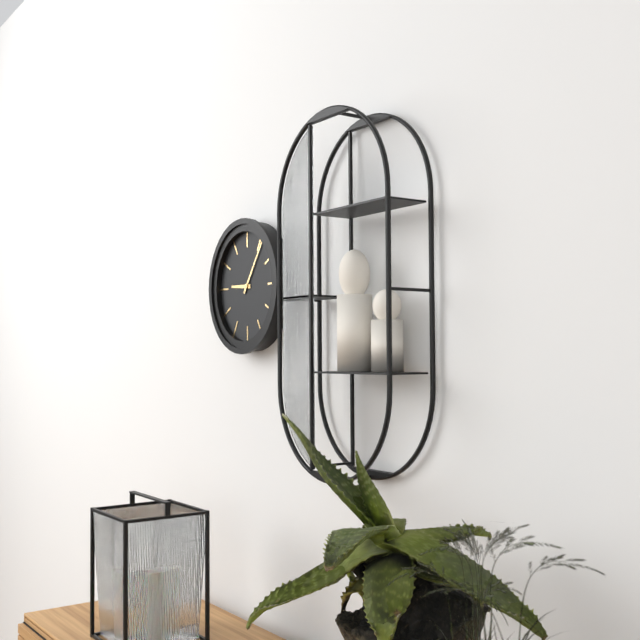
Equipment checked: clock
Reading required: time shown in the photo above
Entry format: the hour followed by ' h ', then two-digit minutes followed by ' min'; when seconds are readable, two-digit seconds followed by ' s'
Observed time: 9 h 06 min
